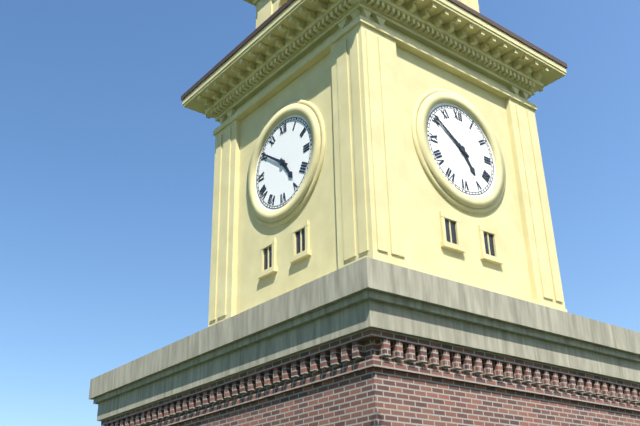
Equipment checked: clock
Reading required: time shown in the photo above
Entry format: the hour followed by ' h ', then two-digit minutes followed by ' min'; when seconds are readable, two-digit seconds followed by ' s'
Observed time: 4 h 51 min
